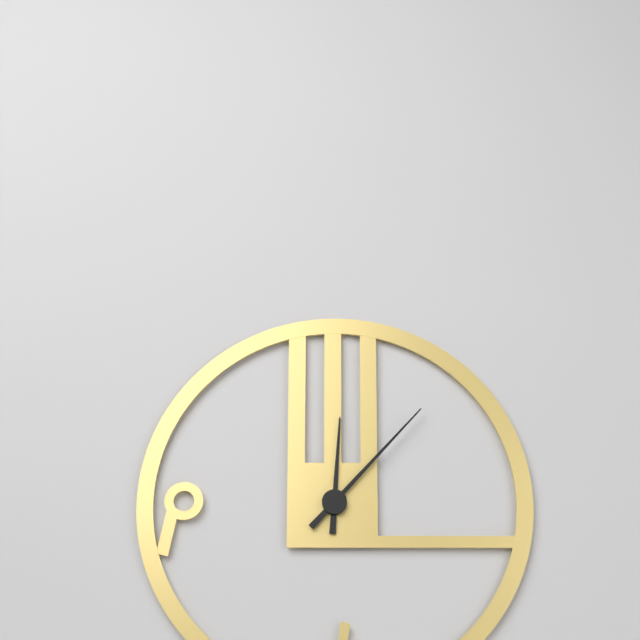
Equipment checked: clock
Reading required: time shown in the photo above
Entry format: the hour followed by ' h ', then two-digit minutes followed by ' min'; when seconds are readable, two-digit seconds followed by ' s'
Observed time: 12 h 07 min
